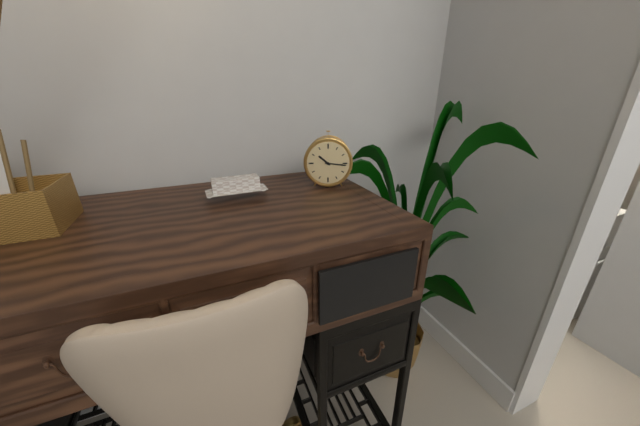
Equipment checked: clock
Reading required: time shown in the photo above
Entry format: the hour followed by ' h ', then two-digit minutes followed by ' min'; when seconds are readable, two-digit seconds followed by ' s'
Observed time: 10 h 16 min
